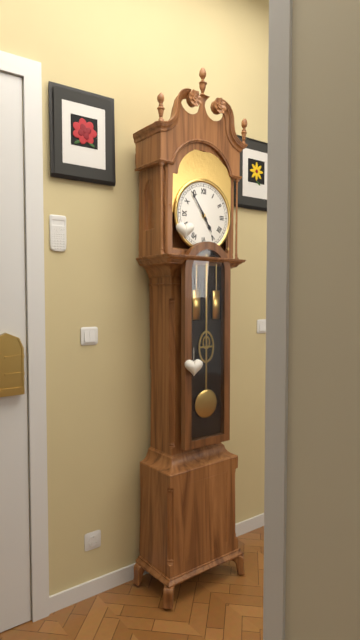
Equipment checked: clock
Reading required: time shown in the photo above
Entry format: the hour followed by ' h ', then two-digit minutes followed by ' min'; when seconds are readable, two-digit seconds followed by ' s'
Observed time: 4 h 54 min
